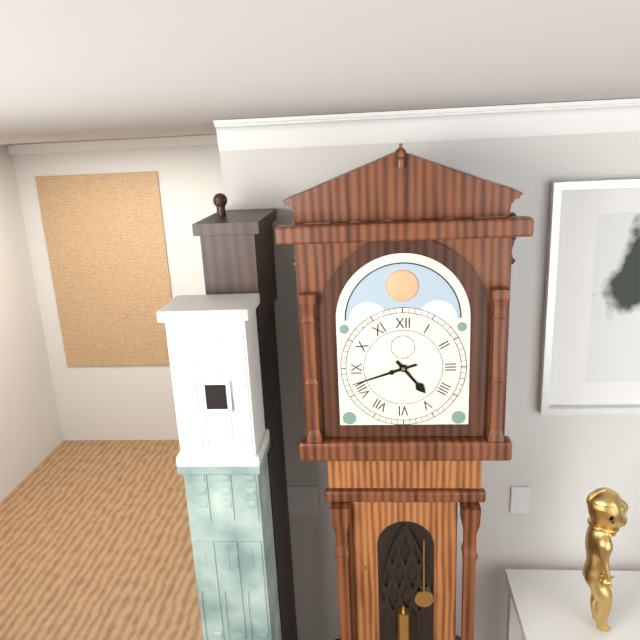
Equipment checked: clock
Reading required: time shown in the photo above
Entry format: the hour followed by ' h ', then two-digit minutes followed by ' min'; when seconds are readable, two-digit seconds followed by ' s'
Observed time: 4 h 42 min
